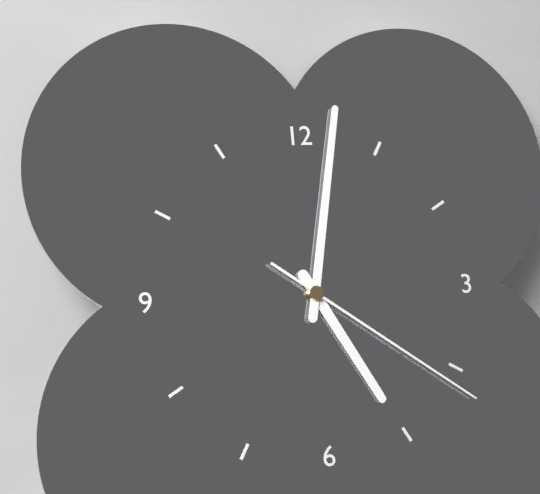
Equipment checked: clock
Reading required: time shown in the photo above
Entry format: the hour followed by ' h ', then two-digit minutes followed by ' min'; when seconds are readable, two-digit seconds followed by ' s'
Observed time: 5 h 02 min 21 s
